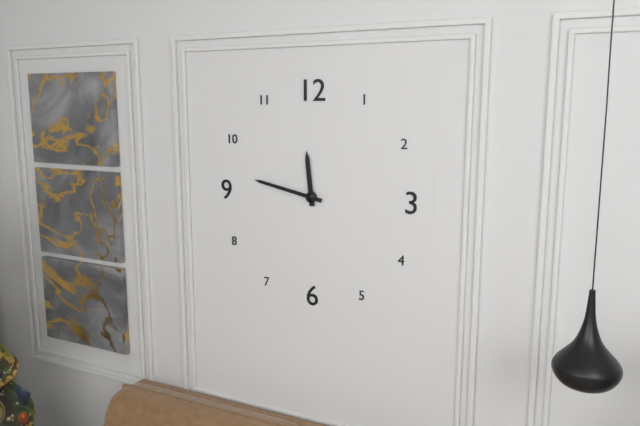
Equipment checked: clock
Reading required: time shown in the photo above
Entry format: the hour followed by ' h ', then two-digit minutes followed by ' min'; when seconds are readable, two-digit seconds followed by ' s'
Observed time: 11 h 47 min
